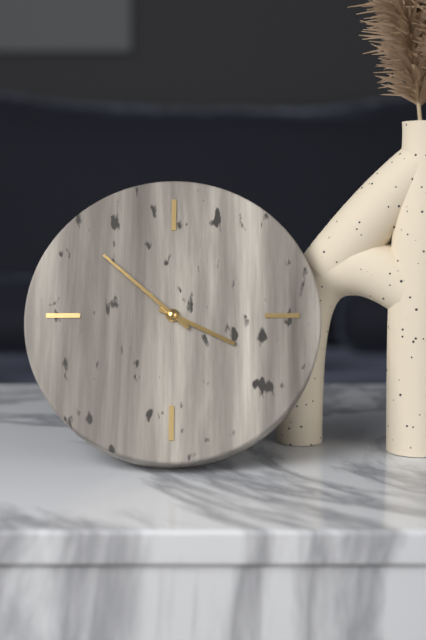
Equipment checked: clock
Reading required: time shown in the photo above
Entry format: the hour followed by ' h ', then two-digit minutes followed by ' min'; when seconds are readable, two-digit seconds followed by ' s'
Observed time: 3 h 52 min
